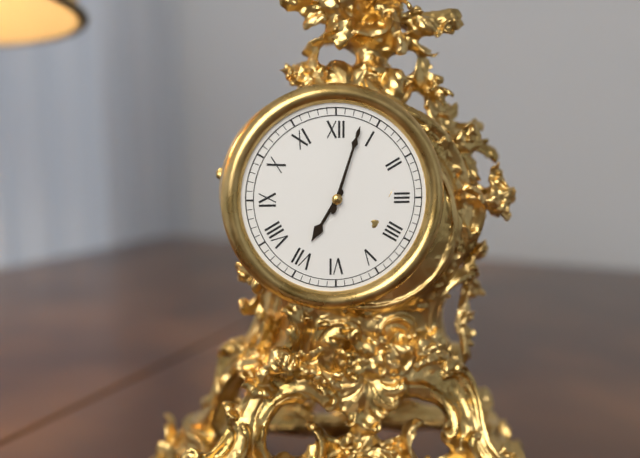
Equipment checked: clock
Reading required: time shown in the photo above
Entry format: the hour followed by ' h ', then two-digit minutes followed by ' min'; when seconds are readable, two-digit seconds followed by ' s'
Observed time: 7 h 03 min
